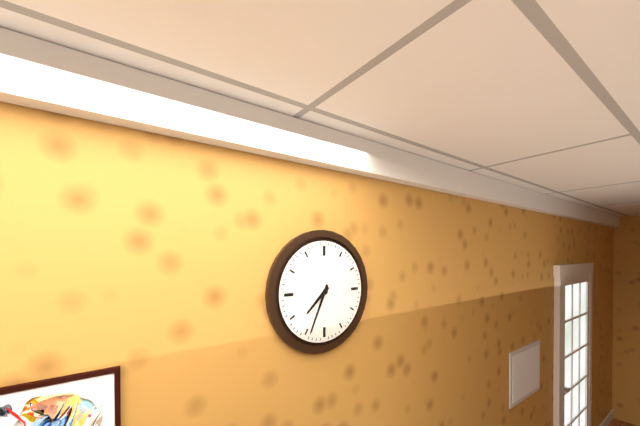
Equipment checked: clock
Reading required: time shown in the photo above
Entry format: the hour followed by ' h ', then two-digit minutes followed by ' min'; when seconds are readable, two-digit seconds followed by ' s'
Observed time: 7 h 34 min
